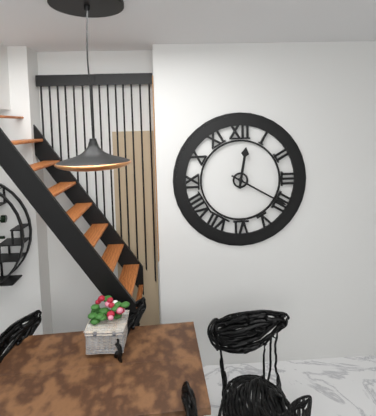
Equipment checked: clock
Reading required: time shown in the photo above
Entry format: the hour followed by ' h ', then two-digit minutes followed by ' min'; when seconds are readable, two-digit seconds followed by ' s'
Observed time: 12 h 20 min
